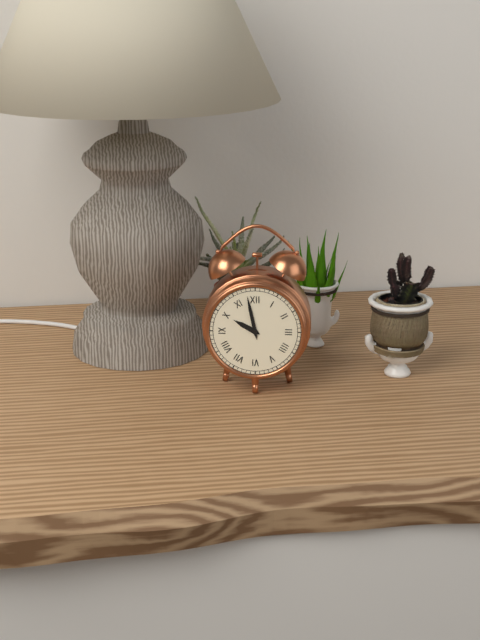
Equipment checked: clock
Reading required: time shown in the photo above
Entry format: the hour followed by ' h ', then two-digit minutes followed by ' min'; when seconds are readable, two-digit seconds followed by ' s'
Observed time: 9 h 58 min
